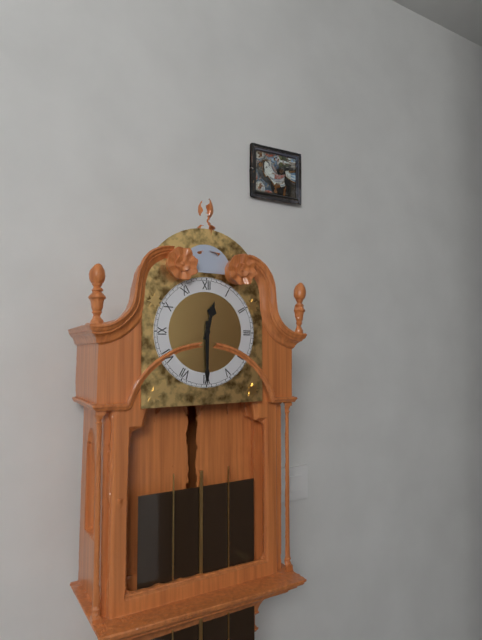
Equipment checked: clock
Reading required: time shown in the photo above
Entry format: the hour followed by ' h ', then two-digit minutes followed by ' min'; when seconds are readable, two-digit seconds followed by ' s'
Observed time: 12 h 30 min
